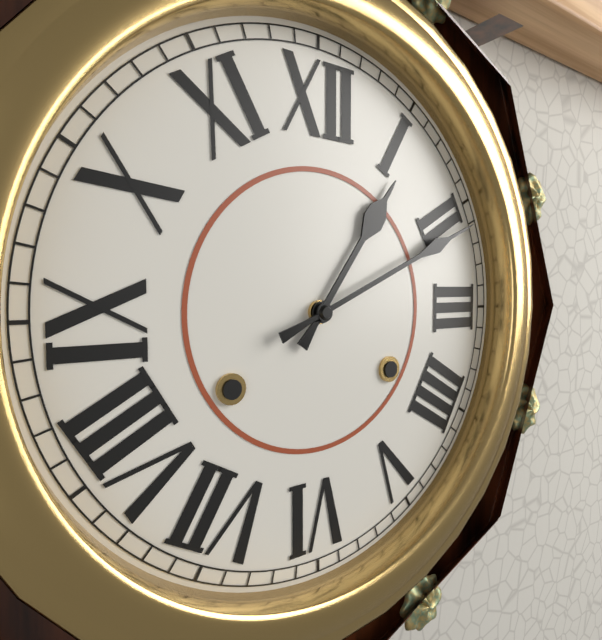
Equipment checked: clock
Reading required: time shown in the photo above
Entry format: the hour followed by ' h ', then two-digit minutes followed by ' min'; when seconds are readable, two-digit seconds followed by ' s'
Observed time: 1 h 11 min
